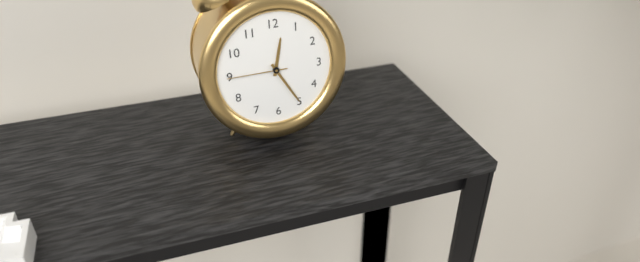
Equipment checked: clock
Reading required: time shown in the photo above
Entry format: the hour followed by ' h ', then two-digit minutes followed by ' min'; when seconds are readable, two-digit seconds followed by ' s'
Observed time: 12 h 25 min 45 s
